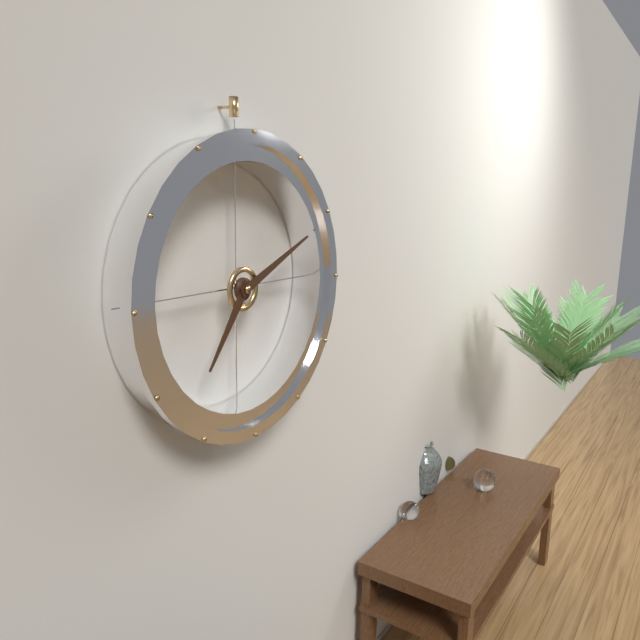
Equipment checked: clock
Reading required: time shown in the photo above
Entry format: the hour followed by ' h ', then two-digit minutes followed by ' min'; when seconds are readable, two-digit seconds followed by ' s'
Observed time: 7 h 11 min
